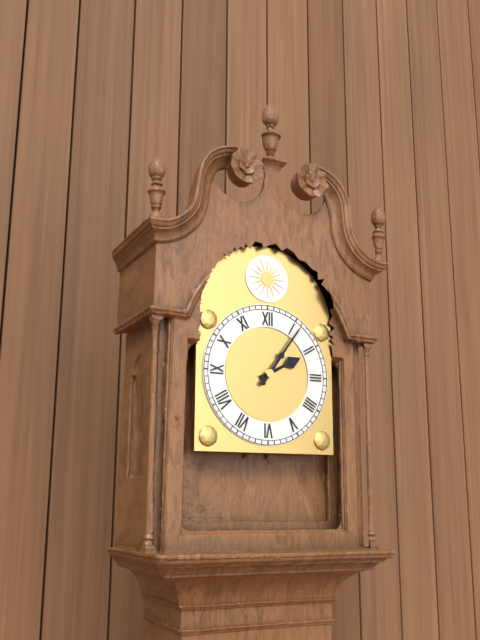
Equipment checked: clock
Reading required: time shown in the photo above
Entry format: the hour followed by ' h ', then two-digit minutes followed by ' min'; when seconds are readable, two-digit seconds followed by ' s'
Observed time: 2 h 06 min
